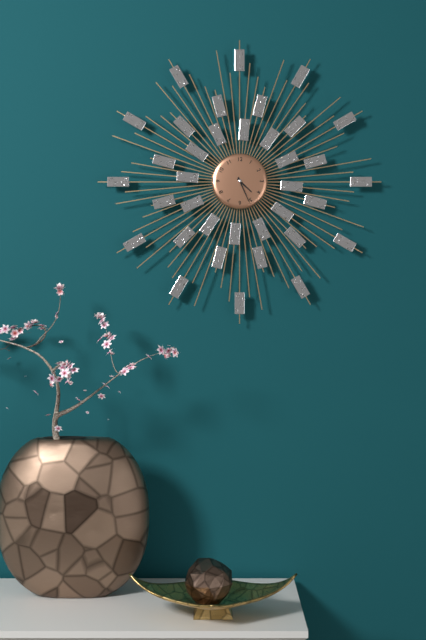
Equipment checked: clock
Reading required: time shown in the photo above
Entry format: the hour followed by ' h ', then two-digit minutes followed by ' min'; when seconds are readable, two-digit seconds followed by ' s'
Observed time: 4 h 26 min
